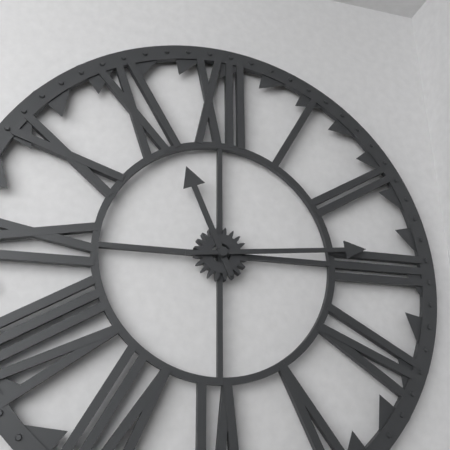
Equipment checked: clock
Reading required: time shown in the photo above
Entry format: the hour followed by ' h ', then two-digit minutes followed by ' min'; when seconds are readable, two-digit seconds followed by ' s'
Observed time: 11 h 14 min
